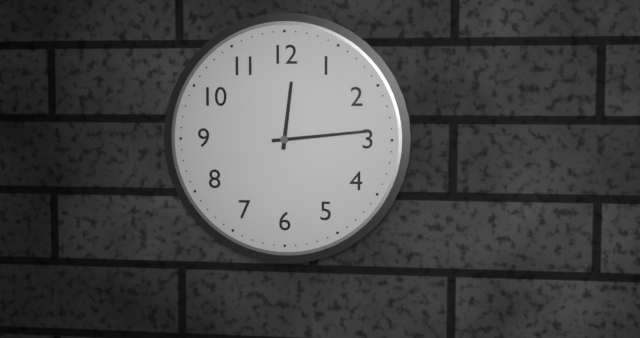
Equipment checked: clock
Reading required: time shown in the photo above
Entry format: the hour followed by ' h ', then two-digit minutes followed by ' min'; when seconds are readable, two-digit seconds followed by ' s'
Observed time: 12 h 14 min
